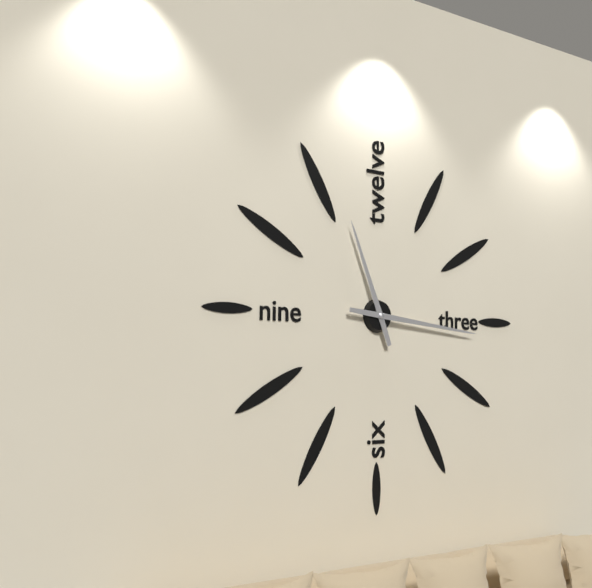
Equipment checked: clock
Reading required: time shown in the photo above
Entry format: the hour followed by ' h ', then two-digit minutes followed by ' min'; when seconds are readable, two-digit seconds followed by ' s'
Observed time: 11 h 16 min
